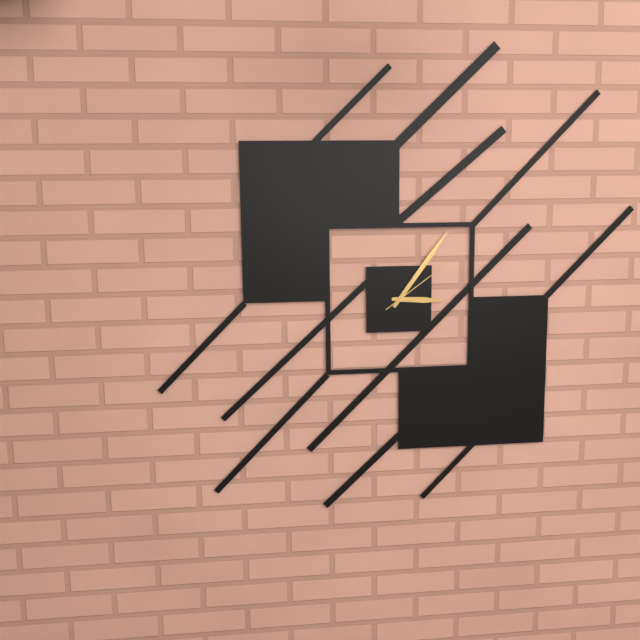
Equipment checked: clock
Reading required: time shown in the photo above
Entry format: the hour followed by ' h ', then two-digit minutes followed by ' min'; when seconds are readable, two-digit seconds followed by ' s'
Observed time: 3 h 06 min 09 s
